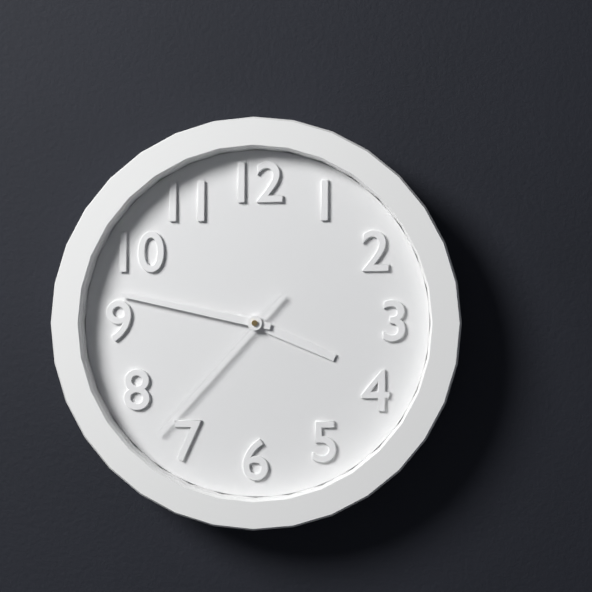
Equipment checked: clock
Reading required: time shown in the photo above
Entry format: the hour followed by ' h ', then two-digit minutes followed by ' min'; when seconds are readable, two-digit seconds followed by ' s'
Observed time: 3 h 47 min 37 s
